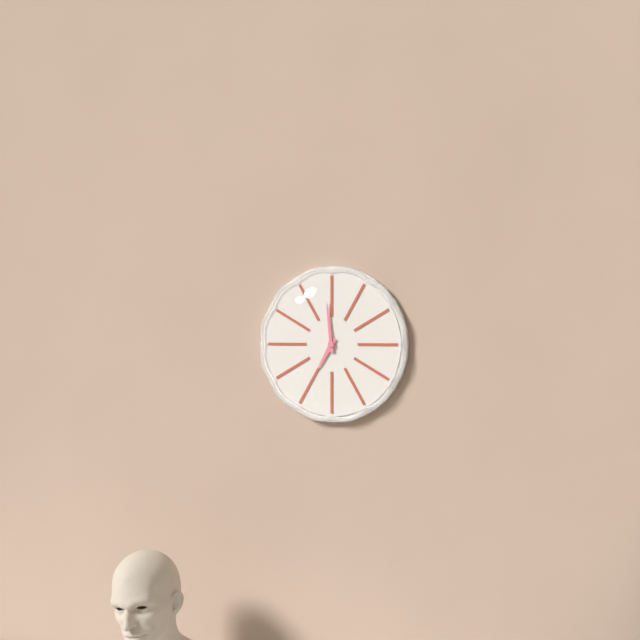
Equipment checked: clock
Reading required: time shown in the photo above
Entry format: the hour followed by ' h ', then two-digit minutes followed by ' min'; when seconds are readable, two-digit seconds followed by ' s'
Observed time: 6 h 59 min
